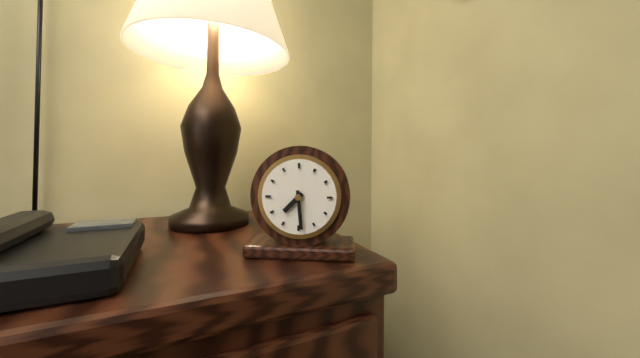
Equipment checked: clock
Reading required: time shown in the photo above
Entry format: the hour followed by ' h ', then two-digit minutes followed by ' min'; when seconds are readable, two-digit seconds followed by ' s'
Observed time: 7 h 29 min
